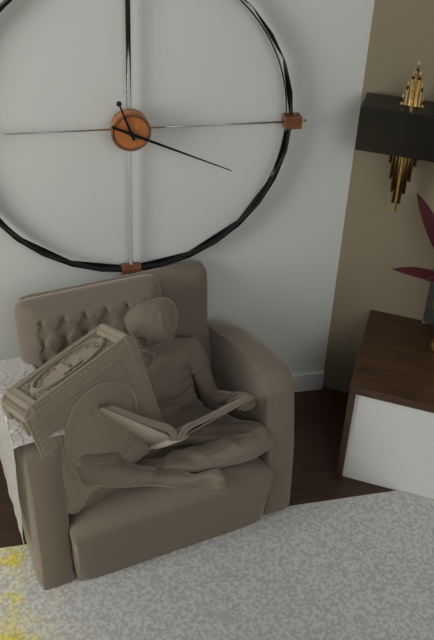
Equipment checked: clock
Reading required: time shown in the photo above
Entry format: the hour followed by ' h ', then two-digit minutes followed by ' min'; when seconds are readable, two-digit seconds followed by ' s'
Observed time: 11 h 19 min
